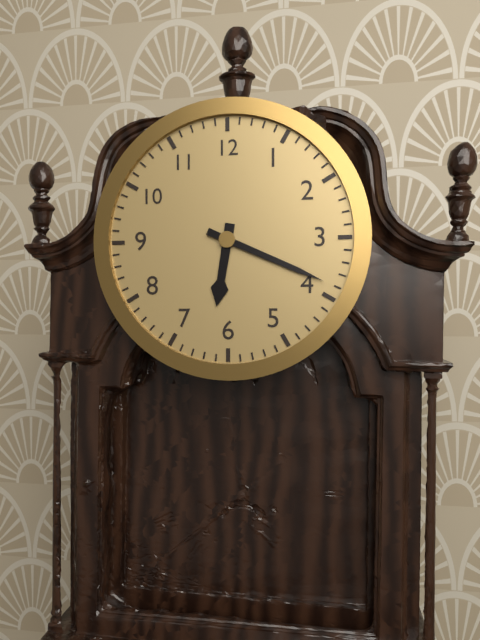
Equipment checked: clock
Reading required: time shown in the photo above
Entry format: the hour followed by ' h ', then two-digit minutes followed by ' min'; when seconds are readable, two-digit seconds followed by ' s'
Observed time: 6 h 19 min
